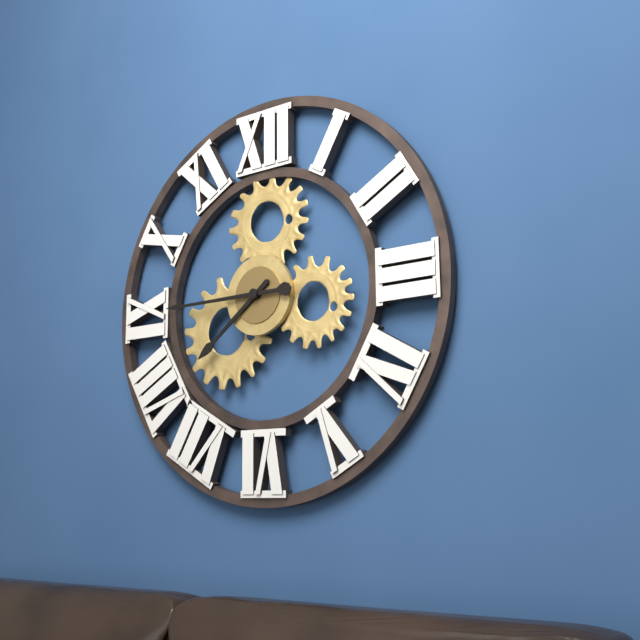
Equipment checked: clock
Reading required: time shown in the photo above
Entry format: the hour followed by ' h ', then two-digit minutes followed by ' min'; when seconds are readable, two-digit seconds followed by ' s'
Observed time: 7 h 45 min
